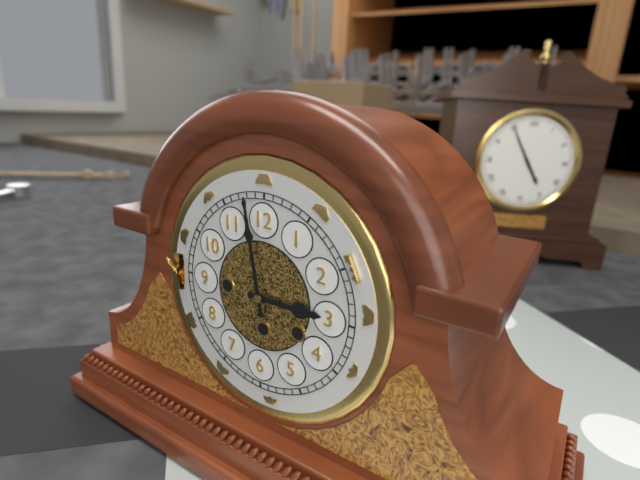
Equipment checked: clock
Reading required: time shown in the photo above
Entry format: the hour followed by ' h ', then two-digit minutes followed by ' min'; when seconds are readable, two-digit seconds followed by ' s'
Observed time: 2 h 58 min
